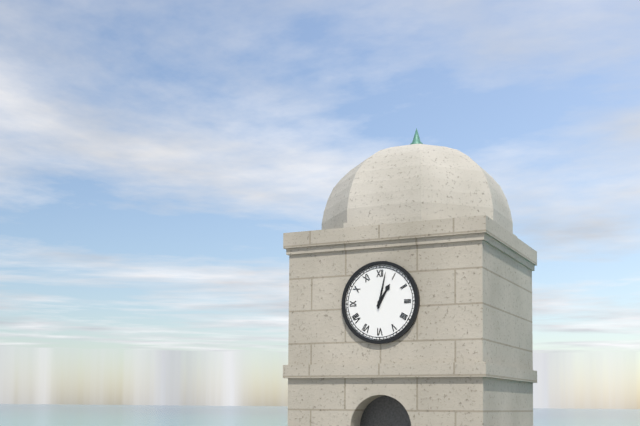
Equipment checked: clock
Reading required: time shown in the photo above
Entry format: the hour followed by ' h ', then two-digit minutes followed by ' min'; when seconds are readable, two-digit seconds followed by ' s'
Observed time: 1 h 02 min
